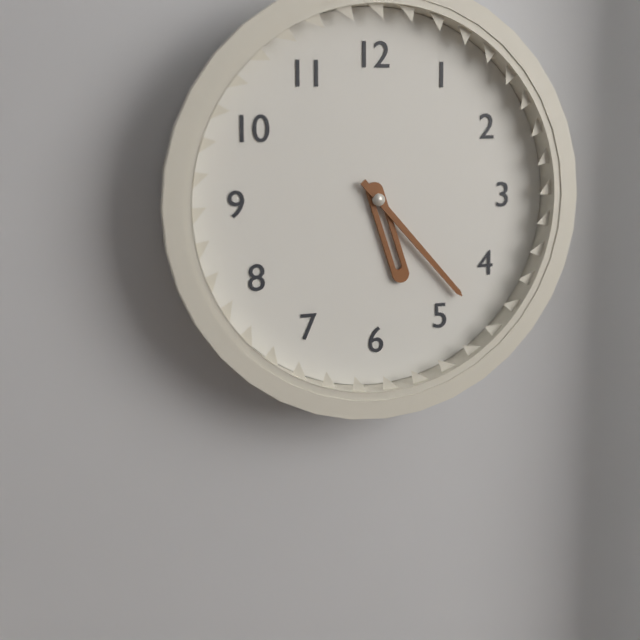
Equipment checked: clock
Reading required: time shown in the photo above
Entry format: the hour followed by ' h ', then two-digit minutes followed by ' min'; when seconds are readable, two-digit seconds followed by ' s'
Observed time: 5 h 23 min
